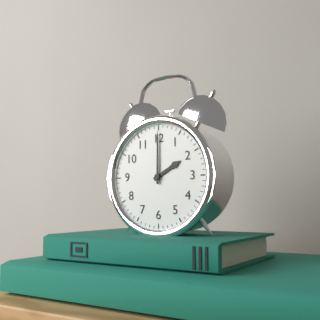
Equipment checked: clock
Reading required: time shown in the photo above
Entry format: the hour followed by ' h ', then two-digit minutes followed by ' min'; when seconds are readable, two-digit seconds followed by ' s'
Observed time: 2 h 00 min
